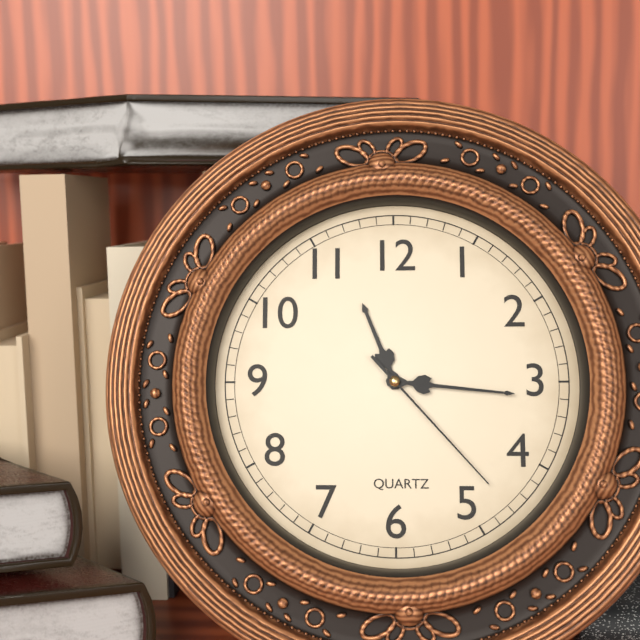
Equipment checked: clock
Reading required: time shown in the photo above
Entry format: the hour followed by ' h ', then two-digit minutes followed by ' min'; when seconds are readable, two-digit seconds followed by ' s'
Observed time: 11 h 16 min 23 s
